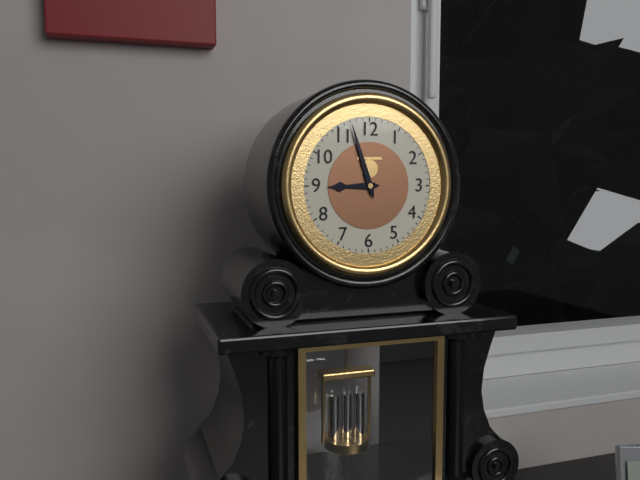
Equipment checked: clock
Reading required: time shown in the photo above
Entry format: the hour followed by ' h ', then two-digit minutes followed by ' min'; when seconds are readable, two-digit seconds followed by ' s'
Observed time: 8 h 57 min
